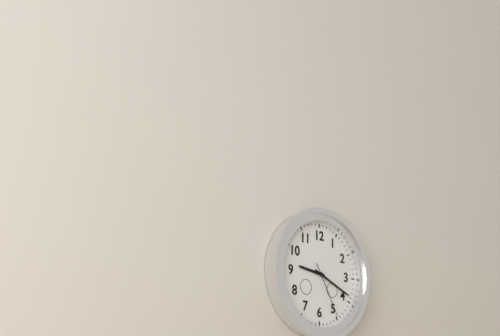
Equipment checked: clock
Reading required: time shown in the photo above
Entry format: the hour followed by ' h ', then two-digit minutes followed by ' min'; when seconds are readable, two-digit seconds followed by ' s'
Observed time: 9 h 19 min 25 s
